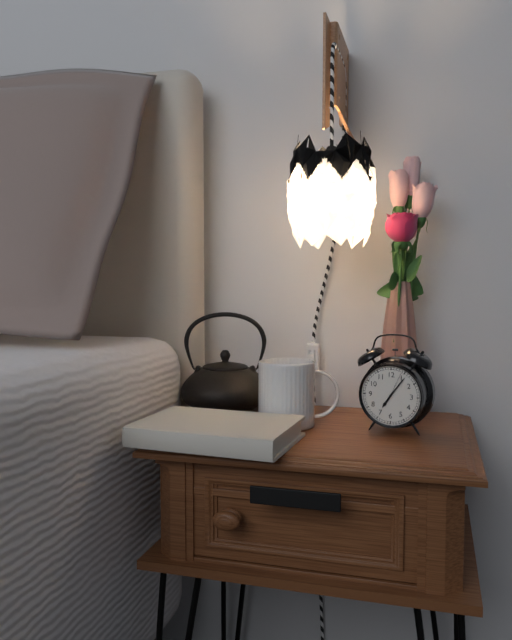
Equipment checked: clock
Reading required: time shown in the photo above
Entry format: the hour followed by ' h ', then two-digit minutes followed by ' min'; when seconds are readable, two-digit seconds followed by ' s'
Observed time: 7 h 06 min
